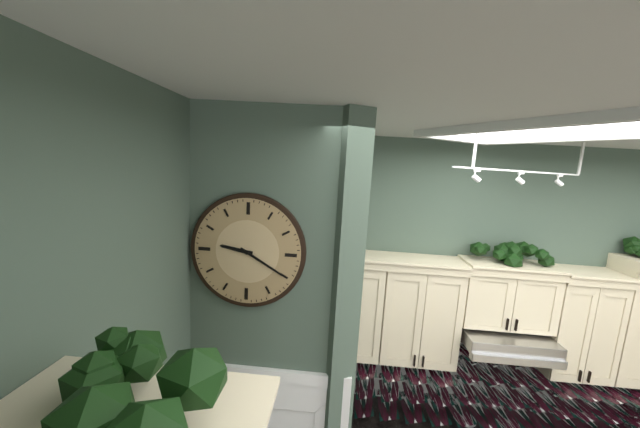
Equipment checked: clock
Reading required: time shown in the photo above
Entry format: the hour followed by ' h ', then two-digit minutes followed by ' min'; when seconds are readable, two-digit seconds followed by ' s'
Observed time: 9 h 20 min
